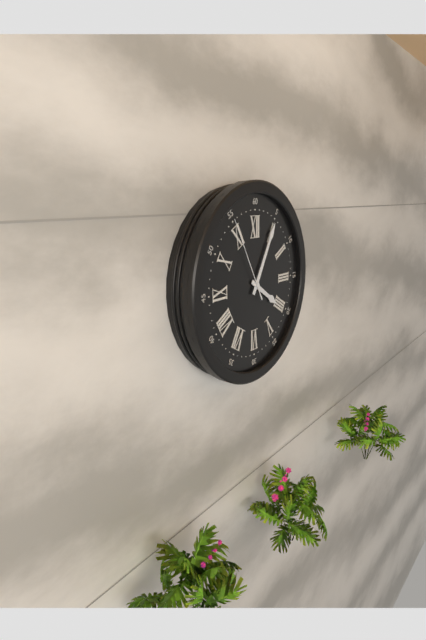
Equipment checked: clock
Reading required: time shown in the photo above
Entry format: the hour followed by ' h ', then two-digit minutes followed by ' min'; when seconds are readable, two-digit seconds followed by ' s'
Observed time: 4 h 05 min 55 s
